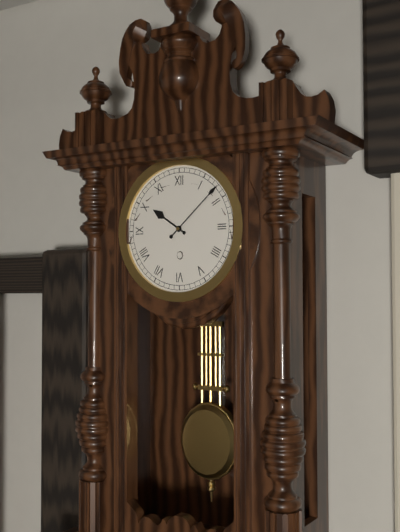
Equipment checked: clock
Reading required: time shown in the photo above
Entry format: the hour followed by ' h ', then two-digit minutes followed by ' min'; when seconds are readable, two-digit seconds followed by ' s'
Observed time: 10 h 08 min
